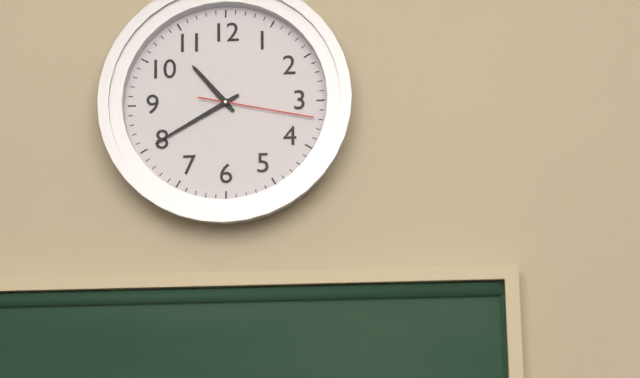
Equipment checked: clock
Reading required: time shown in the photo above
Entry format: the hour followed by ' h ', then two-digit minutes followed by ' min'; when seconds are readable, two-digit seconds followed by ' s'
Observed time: 10 h 40 min 17 s
